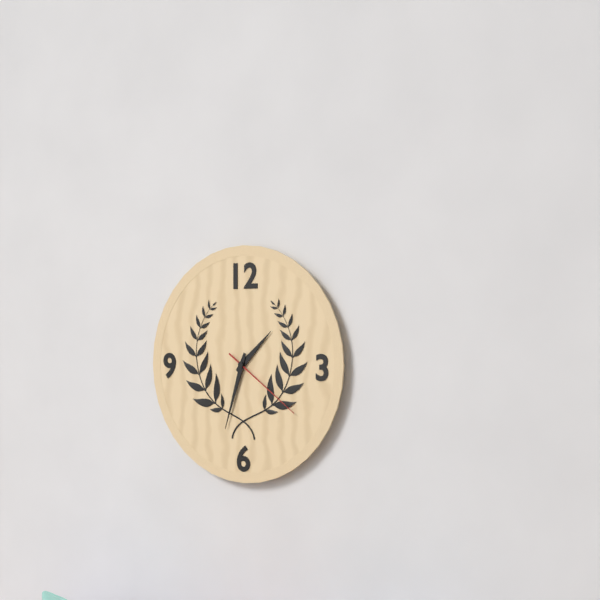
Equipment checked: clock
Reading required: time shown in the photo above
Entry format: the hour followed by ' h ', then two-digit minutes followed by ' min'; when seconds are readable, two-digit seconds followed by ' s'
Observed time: 1 h 33 min 21 s
